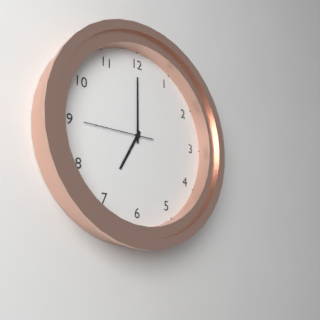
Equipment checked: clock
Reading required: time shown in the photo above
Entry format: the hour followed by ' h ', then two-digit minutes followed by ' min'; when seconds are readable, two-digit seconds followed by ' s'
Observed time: 7 h 00 min 45 s
